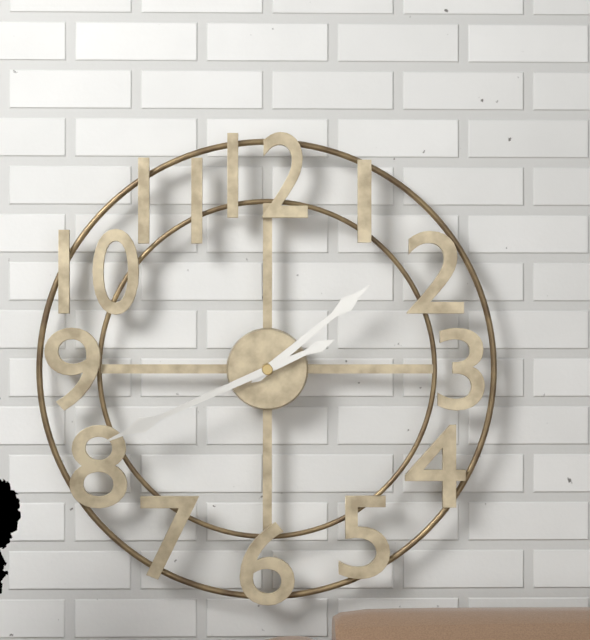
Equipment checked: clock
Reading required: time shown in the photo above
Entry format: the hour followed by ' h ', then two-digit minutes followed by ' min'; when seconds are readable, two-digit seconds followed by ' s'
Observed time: 1 h 41 min
